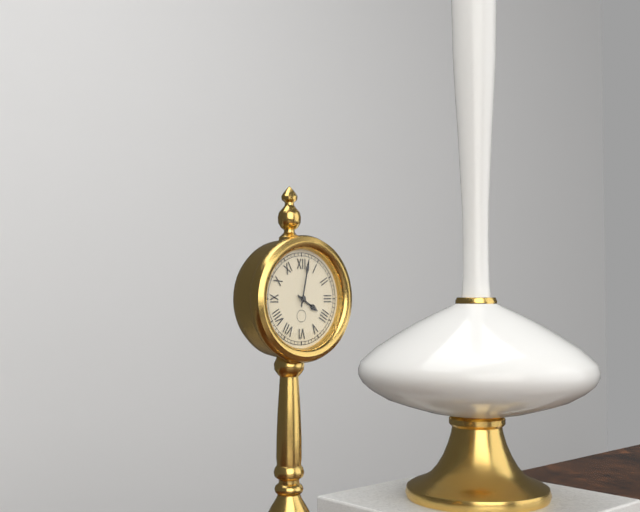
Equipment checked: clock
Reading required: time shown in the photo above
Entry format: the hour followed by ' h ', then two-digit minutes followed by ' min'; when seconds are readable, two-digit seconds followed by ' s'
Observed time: 4 h 02 min
